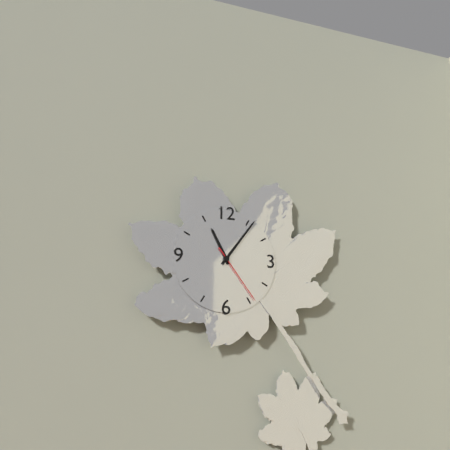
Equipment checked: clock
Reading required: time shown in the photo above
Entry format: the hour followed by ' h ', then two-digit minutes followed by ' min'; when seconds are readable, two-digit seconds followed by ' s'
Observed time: 11 h 06 min 24 s
